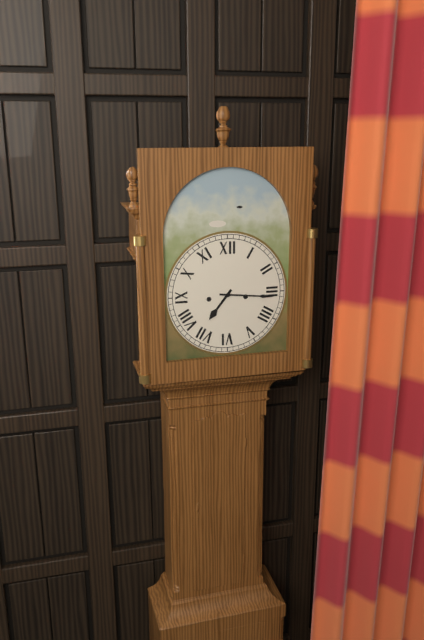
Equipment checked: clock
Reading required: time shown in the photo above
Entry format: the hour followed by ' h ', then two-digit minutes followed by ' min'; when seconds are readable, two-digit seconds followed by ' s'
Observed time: 7 h 16 min
